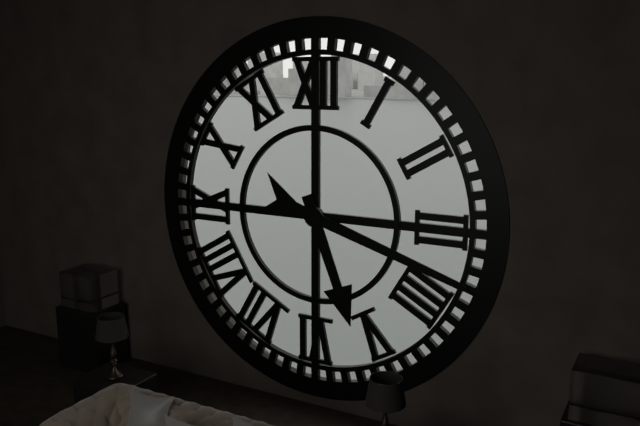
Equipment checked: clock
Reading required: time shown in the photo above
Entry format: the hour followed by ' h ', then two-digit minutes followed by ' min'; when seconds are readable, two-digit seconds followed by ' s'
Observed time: 5 h 18 min
